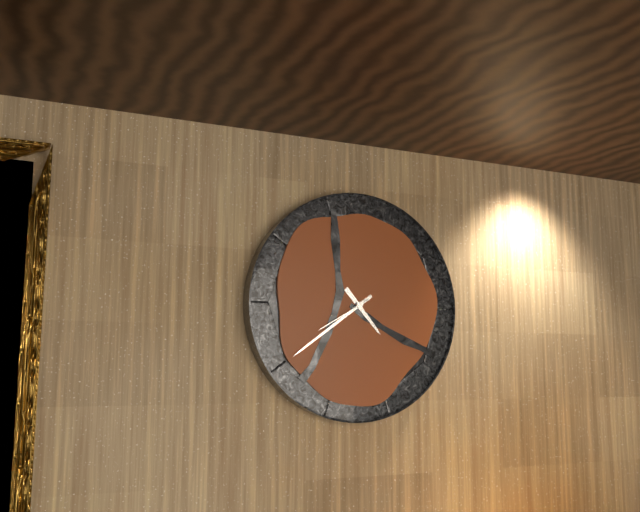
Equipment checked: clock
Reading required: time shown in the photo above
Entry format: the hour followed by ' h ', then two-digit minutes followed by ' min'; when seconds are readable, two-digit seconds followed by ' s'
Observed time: 4 h 39 min 40 s
